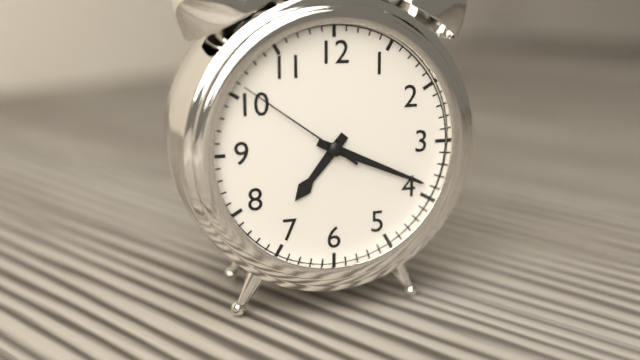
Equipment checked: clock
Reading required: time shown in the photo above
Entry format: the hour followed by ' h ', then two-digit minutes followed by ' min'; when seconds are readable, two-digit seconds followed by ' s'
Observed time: 7 h 19 min 51 s
